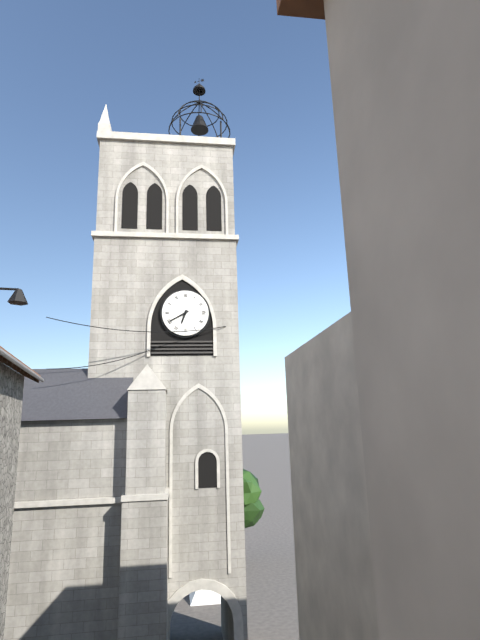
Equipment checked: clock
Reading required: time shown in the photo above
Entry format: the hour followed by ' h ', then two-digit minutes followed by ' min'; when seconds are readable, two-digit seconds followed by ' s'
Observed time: 6 h 40 min
